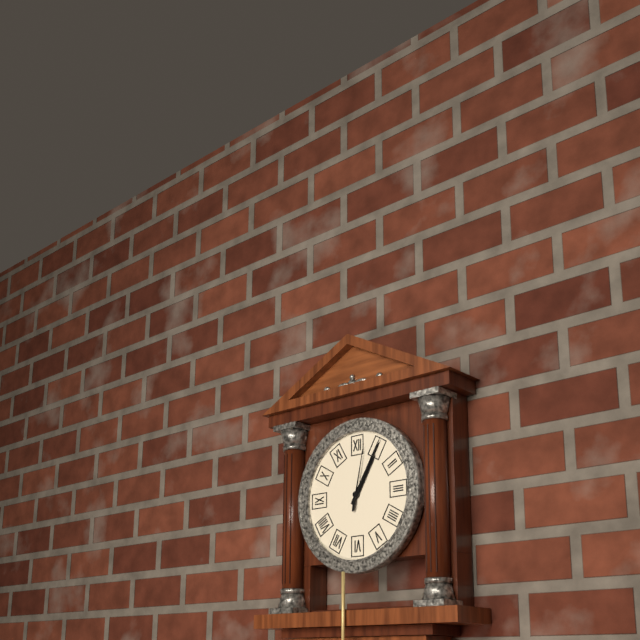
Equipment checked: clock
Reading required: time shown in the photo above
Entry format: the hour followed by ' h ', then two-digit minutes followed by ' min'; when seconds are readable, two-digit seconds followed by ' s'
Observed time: 1 h 05 min 02 s
